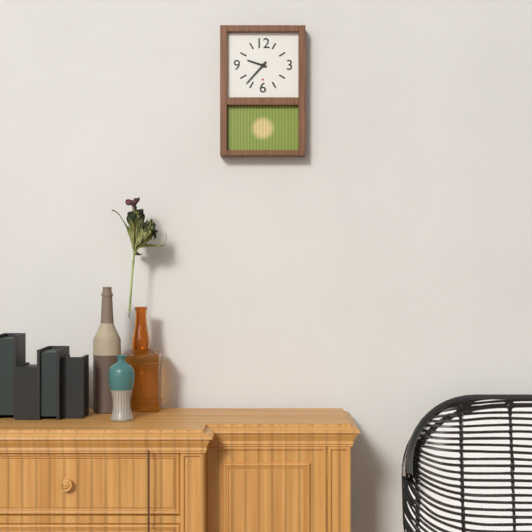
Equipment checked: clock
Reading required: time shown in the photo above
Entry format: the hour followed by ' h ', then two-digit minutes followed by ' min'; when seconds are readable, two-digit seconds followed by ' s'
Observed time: 9 h 37 min
